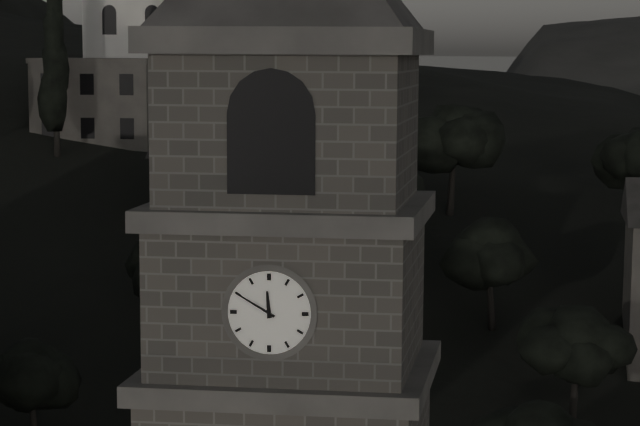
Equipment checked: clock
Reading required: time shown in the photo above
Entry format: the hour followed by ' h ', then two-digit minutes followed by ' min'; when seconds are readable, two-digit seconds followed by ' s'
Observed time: 11 h 50 min
